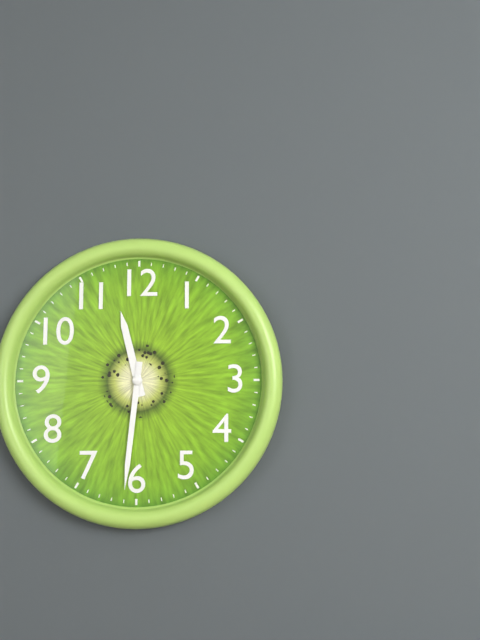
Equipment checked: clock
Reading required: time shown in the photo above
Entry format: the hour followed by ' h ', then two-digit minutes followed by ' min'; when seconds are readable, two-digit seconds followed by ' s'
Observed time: 11 h 31 min
